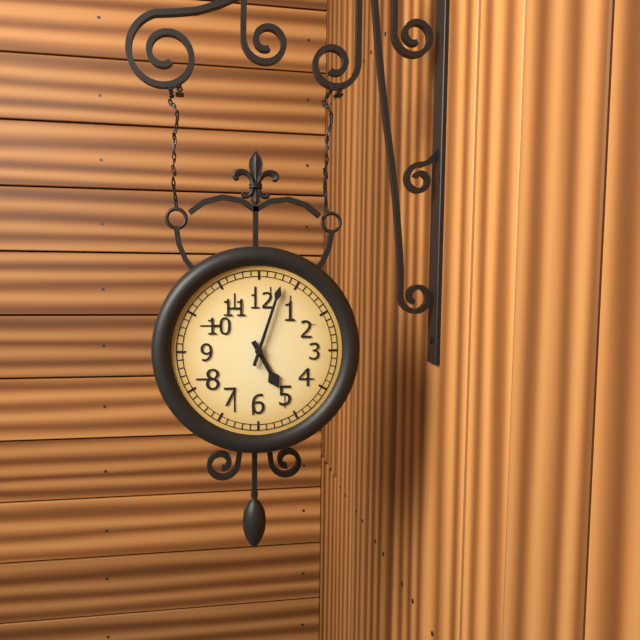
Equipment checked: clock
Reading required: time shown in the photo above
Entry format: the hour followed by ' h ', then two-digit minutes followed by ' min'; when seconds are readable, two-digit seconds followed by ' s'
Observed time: 5 h 03 min
